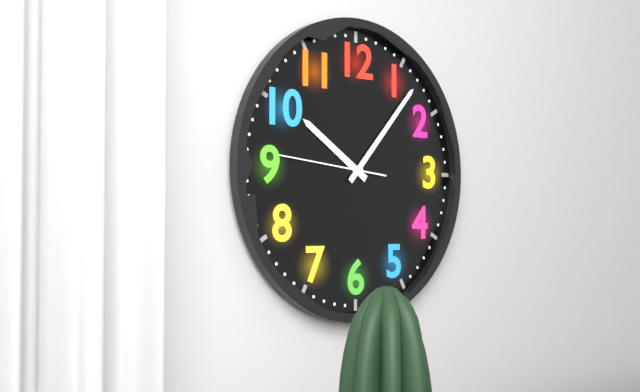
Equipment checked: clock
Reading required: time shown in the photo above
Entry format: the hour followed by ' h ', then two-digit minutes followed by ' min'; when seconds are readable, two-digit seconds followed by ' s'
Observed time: 10 h 07 min 46 s
